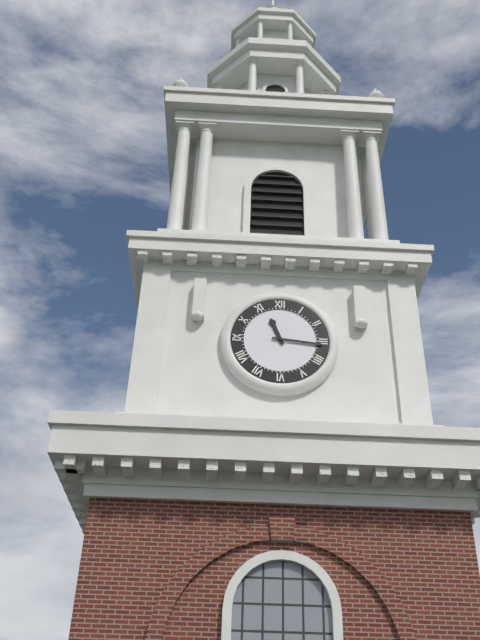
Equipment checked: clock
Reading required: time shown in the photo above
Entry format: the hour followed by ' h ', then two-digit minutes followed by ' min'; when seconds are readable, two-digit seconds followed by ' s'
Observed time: 11 h 16 min
